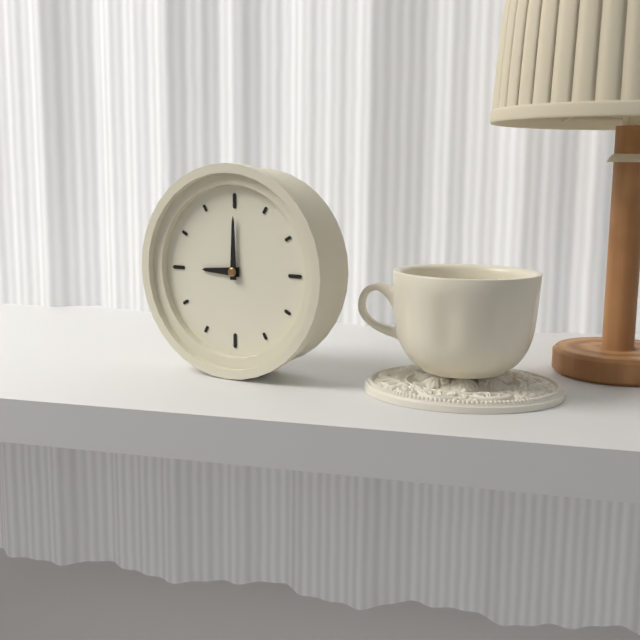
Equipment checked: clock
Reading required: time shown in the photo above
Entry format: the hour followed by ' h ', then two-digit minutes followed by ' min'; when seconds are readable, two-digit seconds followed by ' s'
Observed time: 9 h 00 min
